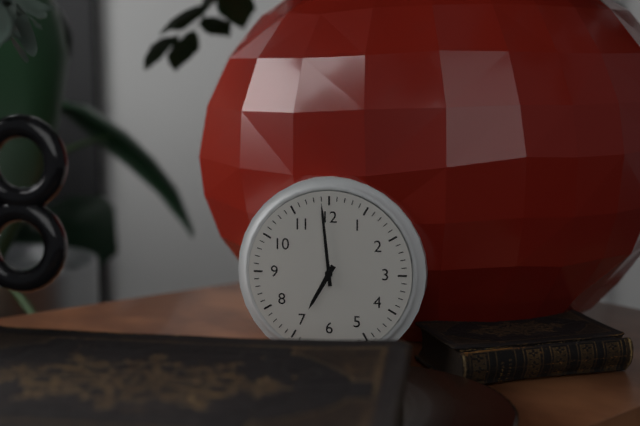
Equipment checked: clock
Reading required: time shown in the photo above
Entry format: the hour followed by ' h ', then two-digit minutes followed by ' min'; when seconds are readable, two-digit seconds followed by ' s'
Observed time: 6 h 59 min
